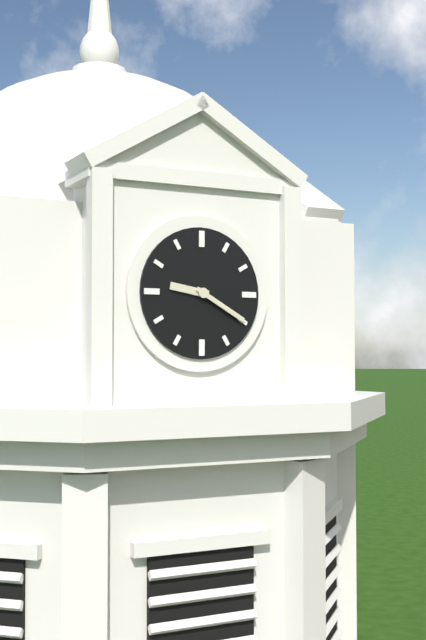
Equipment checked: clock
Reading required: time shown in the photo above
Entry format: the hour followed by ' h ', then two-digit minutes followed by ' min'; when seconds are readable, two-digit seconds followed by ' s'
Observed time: 9 h 20 min
